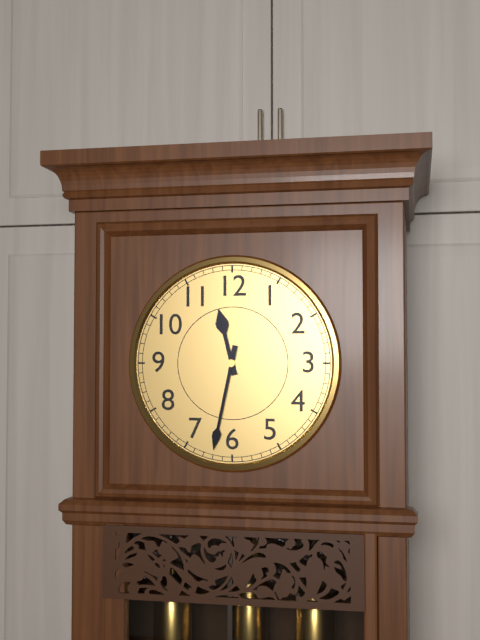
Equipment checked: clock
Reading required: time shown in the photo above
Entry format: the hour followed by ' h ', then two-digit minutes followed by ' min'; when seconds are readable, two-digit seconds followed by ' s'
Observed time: 11 h 32 min
